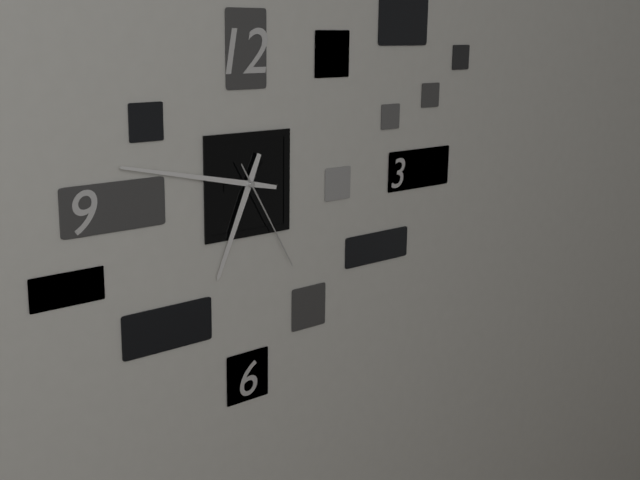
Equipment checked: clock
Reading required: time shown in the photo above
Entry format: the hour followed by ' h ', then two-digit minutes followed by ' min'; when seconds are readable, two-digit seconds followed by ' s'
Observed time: 6 h 47 min 25 s
